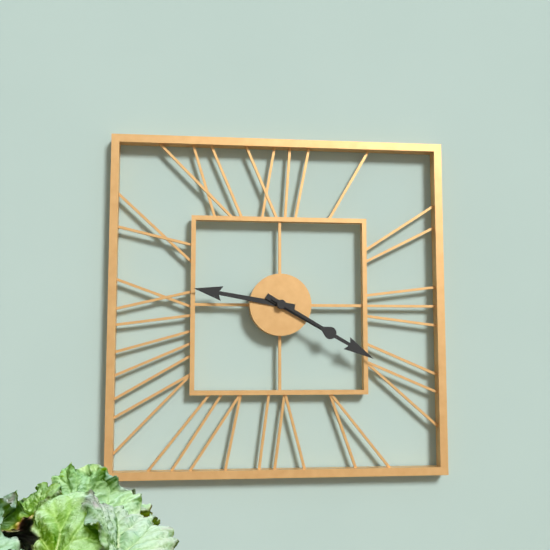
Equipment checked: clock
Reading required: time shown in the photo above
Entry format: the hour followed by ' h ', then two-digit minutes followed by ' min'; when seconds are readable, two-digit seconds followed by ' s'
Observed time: 9 h 20 min 20 s
